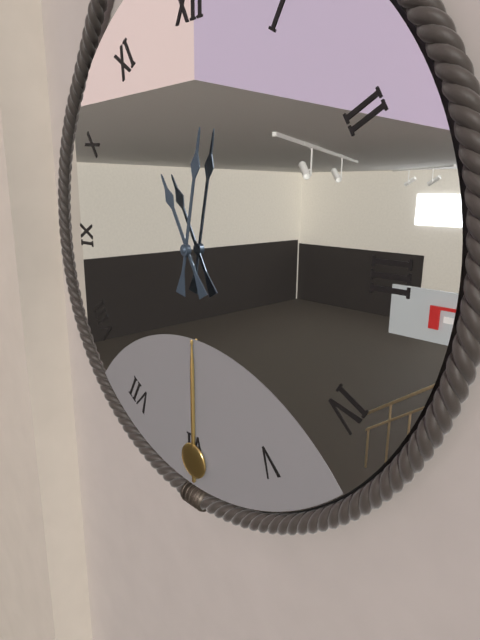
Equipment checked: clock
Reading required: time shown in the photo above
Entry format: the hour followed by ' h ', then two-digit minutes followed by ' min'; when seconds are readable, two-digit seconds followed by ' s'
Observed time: 11 h 02 min
